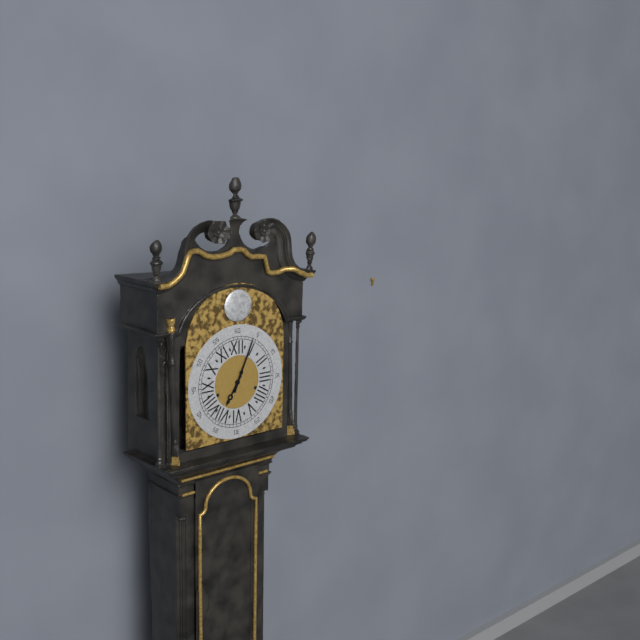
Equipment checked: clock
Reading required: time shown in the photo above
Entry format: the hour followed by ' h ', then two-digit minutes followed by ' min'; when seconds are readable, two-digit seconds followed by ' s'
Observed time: 7 h 04 min
